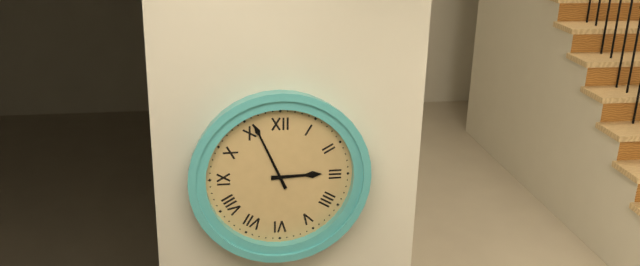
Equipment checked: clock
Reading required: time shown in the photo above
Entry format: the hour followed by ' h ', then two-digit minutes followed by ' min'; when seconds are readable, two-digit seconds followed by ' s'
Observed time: 2 h 56 min
